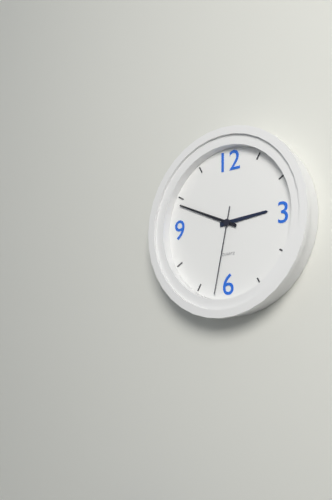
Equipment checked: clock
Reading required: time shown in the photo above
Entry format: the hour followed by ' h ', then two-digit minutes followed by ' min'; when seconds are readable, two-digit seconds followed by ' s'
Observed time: 2 h 49 min 32 s
